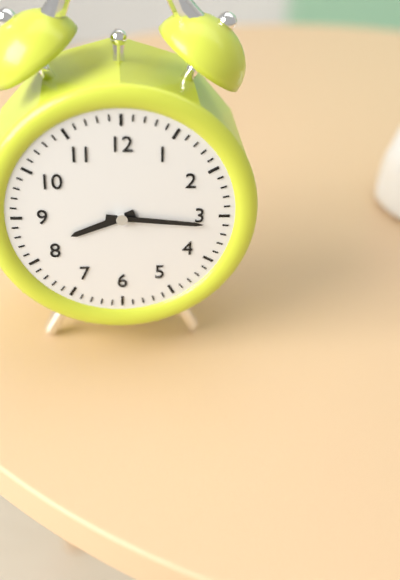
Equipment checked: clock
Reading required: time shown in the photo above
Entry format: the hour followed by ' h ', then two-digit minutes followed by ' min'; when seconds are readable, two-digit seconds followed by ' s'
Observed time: 8 h 16 min
